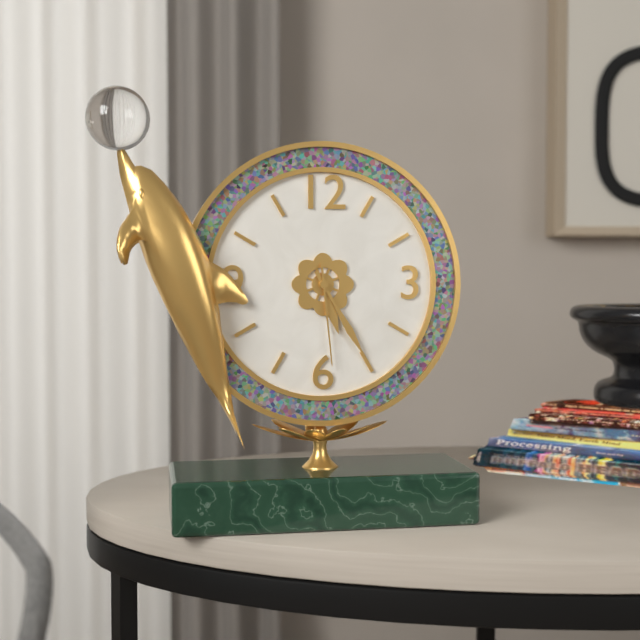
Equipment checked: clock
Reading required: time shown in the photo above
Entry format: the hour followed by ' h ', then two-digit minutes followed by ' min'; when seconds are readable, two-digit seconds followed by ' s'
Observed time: 5 h 25 min 29 s
